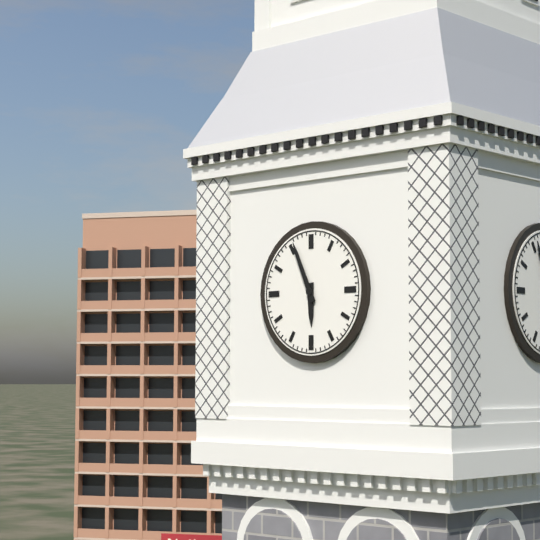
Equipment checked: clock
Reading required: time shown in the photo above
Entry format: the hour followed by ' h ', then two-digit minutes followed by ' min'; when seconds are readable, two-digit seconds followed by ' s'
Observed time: 5 h 56 min
